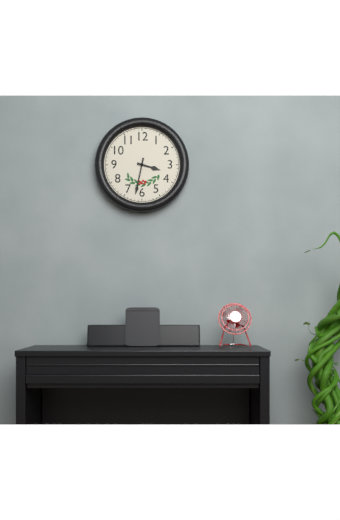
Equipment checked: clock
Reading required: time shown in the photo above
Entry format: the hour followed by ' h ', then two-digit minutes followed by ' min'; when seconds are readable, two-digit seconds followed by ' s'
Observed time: 3 h 32 min
